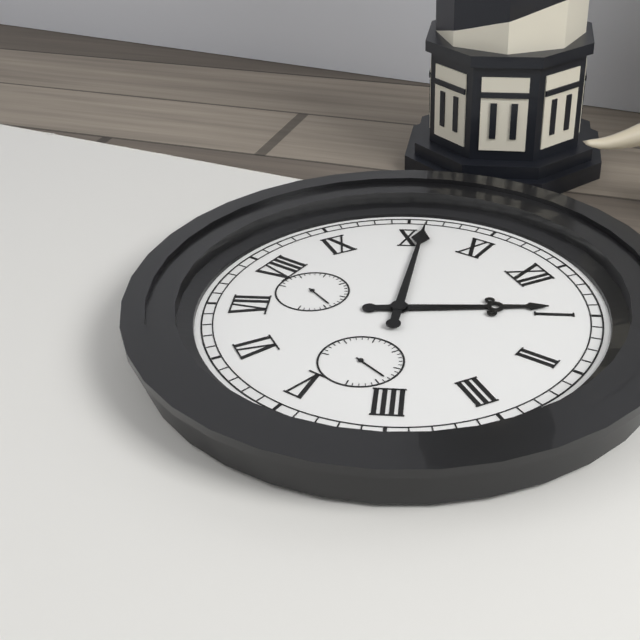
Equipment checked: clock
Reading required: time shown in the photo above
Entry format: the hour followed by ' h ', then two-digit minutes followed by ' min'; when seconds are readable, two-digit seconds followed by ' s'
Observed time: 12 h 51 min
